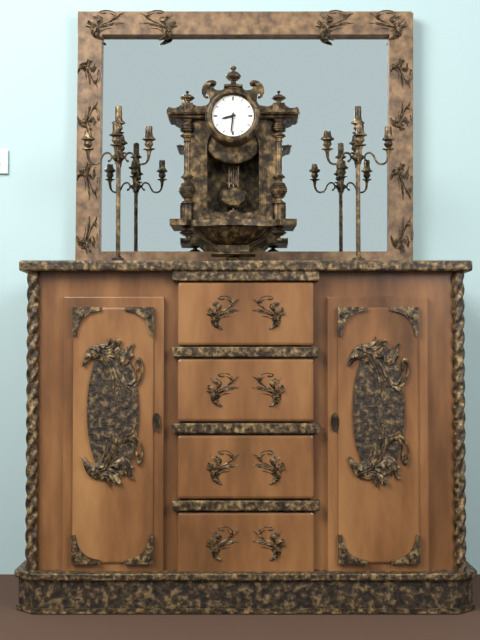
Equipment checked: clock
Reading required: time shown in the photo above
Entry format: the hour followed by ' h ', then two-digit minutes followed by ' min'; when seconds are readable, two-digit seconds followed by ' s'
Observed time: 8 h 31 min
